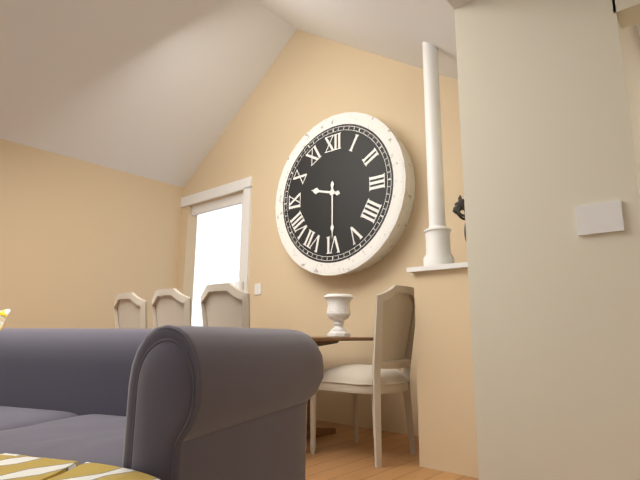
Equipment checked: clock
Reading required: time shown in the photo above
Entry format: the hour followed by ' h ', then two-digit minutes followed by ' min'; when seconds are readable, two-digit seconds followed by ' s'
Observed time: 9 h 30 min
